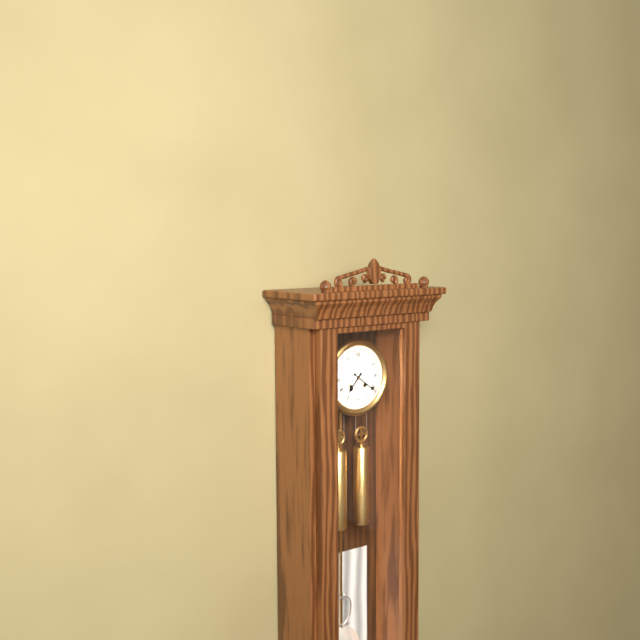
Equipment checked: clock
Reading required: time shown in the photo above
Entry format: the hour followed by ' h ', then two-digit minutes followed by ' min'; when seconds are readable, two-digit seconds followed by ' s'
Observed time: 7 h 21 min
